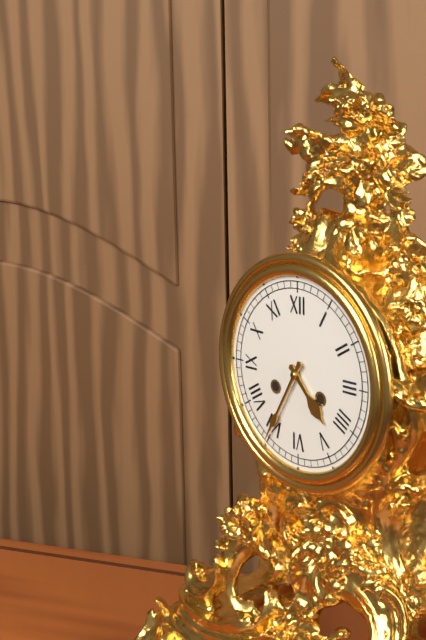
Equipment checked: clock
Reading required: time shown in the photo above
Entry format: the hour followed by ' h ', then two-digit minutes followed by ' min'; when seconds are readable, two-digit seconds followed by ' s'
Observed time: 4 h 35 min
